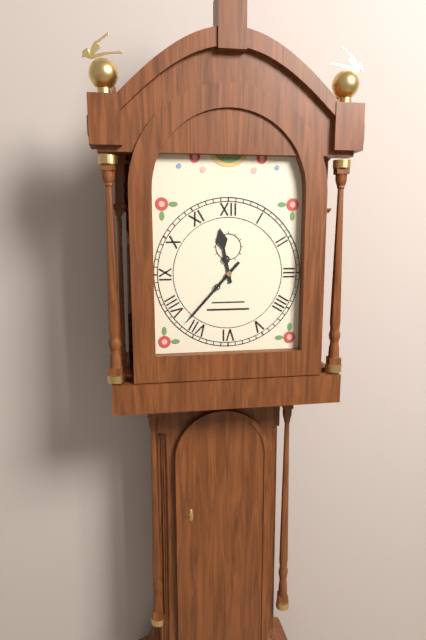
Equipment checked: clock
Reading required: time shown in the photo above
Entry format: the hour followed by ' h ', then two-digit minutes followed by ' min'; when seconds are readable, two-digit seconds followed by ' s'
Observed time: 11 h 37 min
